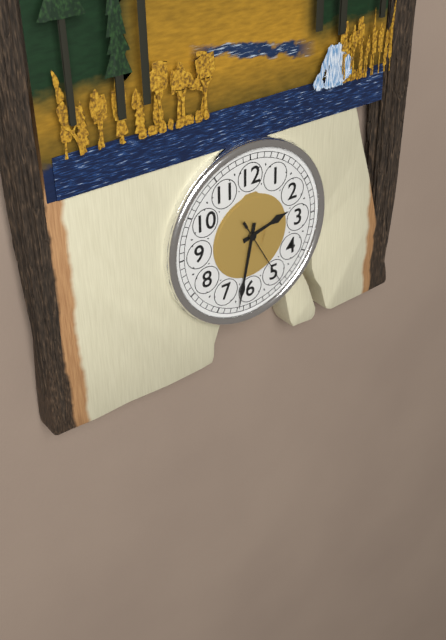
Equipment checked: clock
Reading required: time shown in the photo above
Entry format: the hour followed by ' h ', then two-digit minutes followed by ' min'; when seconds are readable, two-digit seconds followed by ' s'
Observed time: 2 h 32 min 25 s
